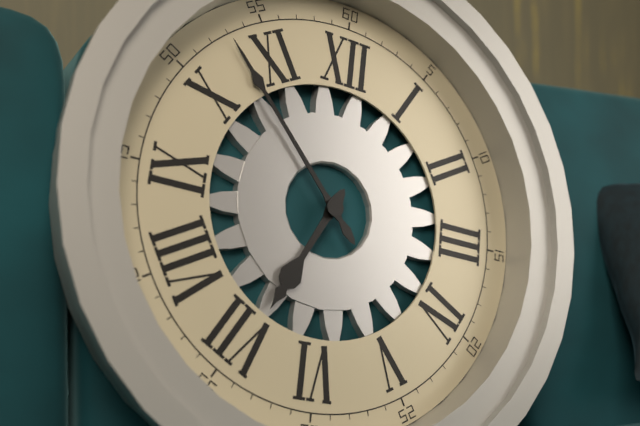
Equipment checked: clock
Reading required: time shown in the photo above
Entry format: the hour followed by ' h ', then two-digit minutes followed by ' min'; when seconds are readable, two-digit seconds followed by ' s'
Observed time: 6 h 53 min
